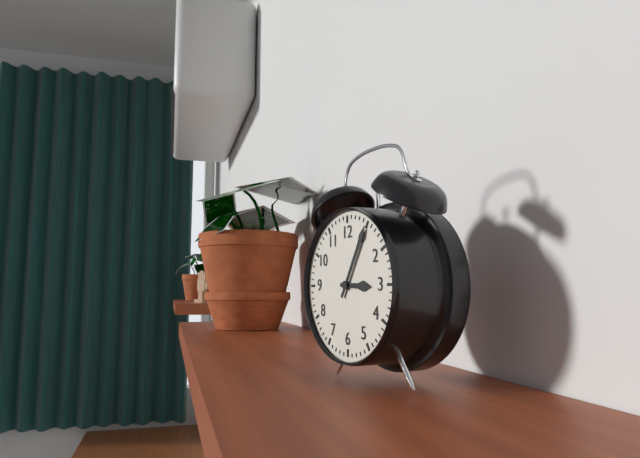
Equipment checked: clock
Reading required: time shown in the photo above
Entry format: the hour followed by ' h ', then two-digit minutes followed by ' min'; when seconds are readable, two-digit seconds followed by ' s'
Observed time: 3 h 05 min
